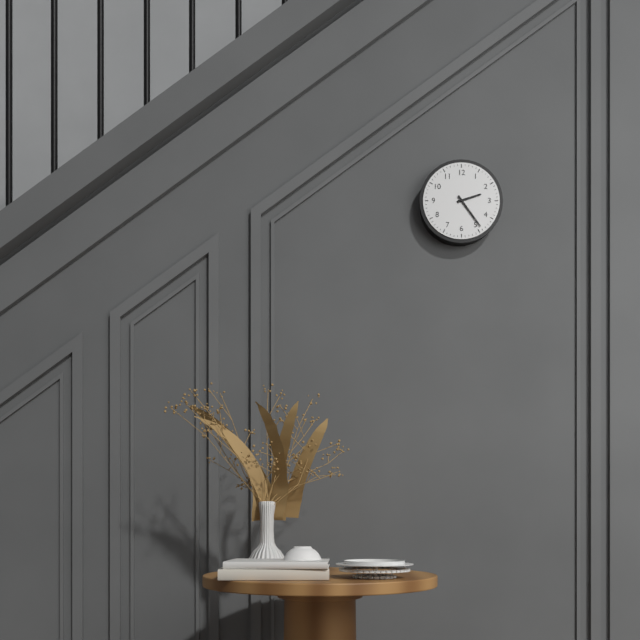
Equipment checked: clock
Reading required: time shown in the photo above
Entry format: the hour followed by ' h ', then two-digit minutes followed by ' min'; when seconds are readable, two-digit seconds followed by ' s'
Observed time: 2 h 24 min
